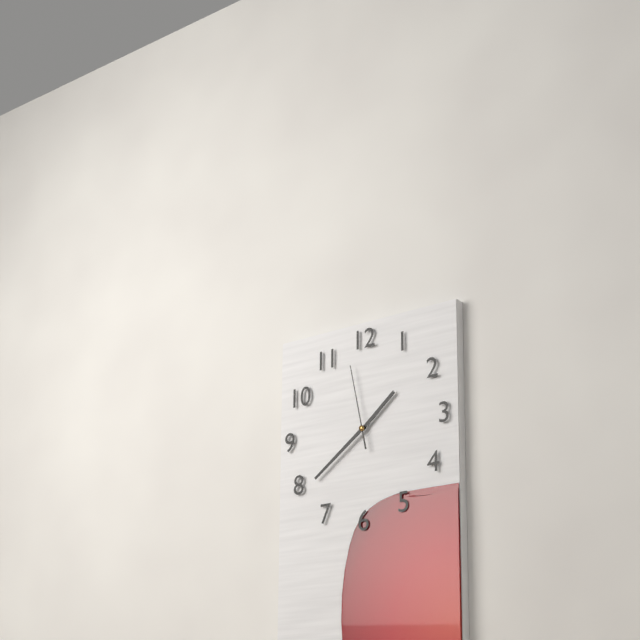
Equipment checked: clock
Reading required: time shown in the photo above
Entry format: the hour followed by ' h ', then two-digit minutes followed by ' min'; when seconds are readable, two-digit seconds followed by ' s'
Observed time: 1 h 39 min 58 s
